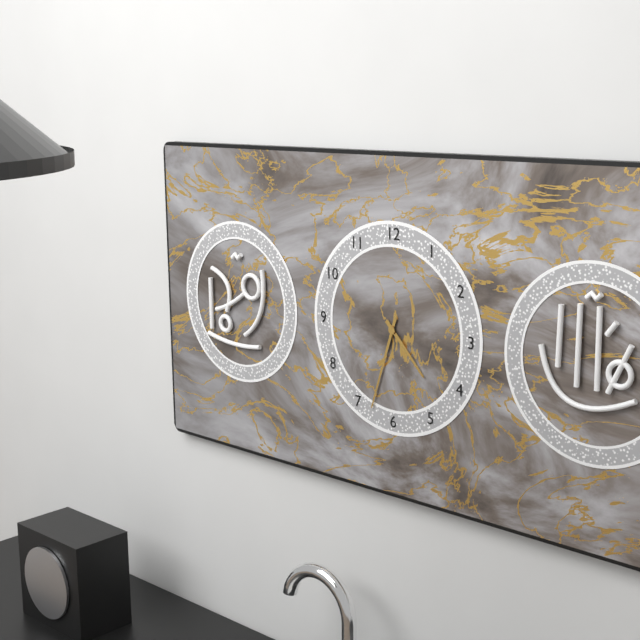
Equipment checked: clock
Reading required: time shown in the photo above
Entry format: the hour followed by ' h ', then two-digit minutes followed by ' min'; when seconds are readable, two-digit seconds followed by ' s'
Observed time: 4 h 33 min
